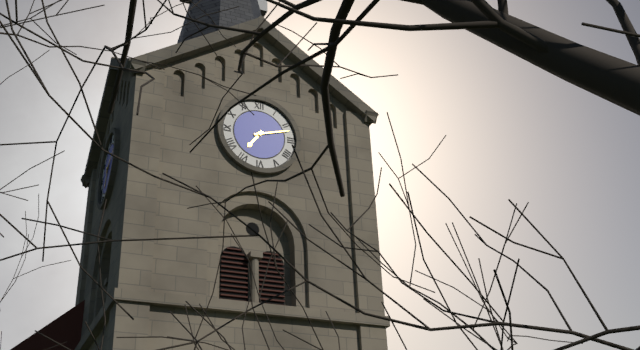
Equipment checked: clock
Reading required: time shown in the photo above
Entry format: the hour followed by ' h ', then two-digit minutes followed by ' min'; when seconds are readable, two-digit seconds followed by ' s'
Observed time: 7 h 12 min
